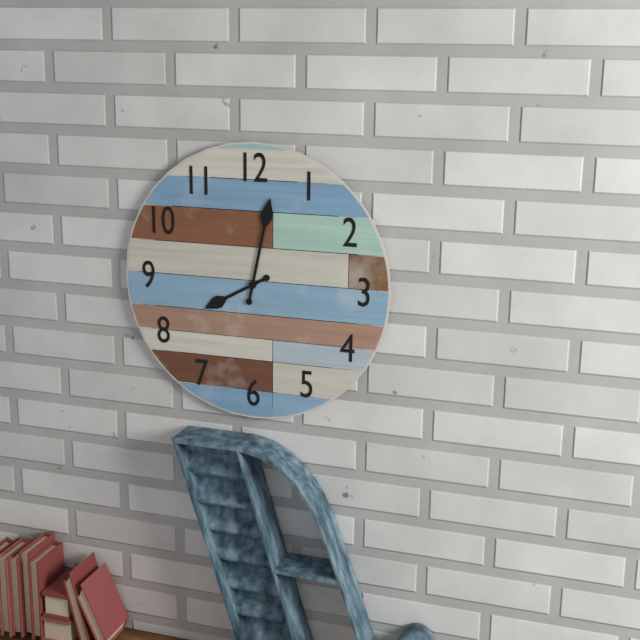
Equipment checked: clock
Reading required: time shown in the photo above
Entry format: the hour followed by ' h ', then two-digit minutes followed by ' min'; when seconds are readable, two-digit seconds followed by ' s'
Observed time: 8 h 02 min
